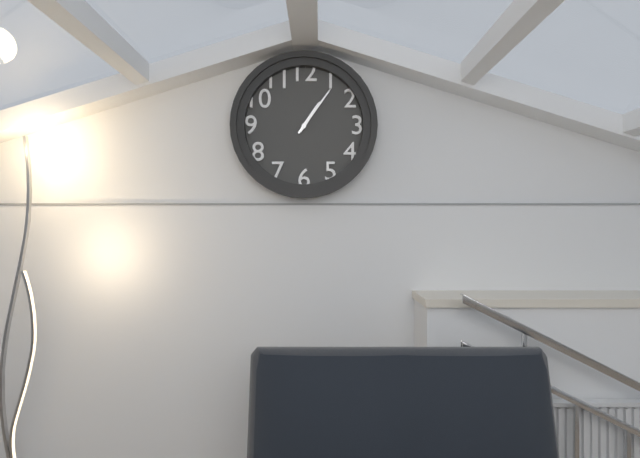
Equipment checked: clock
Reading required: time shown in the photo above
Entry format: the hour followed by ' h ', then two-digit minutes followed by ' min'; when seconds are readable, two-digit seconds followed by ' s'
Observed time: 1 h 06 min
